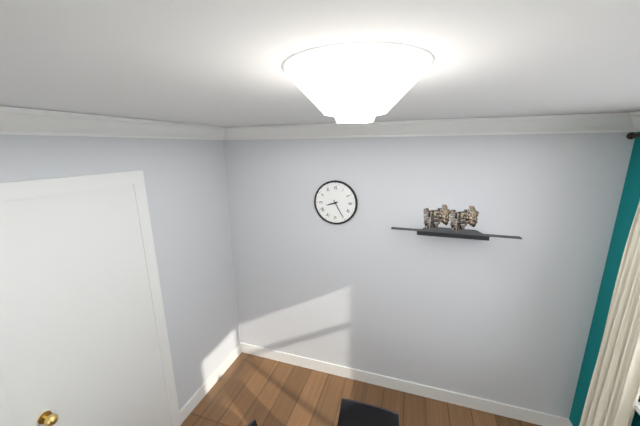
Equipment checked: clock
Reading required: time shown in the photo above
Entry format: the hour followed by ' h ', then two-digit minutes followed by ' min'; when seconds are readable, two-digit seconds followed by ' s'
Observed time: 8 h 25 min
